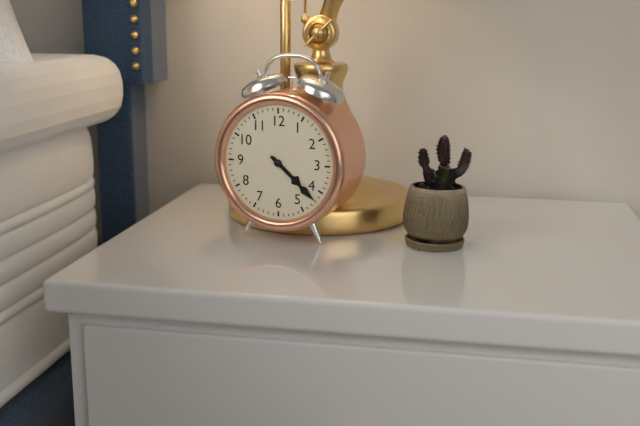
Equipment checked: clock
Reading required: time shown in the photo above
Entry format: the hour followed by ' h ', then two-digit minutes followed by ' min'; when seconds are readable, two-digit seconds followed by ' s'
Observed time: 4 h 22 min
